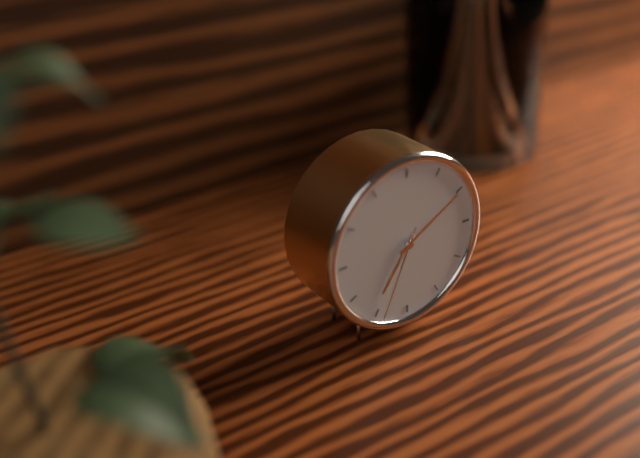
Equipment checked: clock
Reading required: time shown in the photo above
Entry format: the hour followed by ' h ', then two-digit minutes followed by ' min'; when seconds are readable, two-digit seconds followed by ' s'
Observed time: 7 h 10 min 34 s
